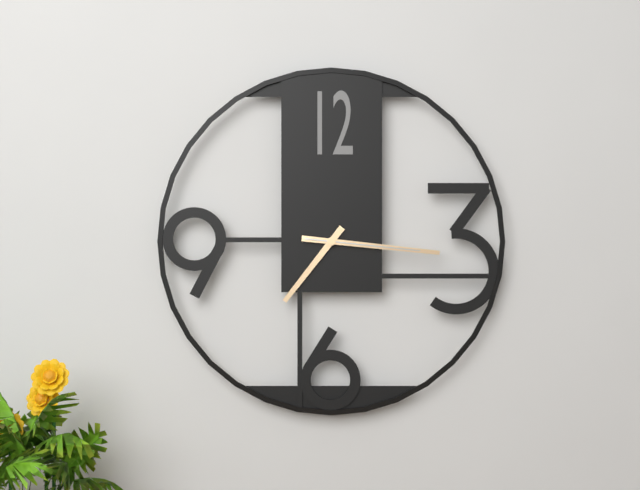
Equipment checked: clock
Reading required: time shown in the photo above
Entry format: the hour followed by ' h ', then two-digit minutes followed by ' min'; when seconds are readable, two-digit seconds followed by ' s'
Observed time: 7 h 16 min 16 s
